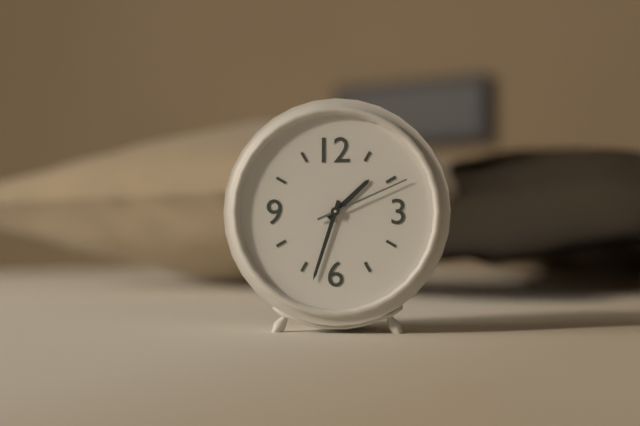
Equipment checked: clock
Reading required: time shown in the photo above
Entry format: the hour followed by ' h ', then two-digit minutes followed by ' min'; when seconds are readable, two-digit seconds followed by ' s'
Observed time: 1 h 33 min 11 s
